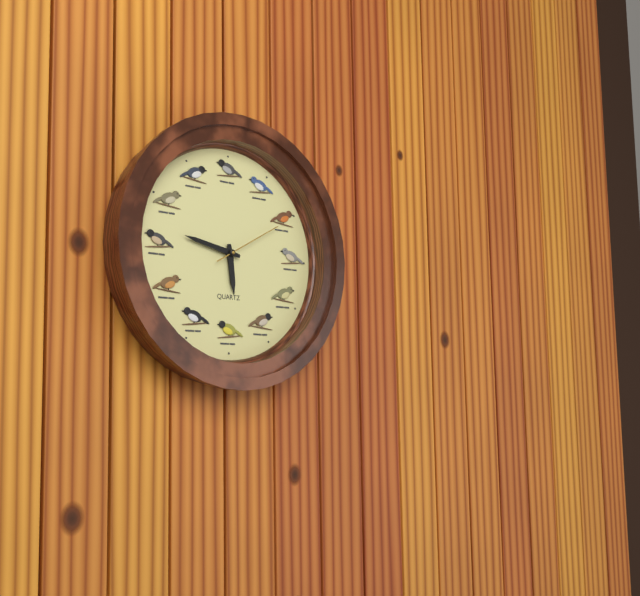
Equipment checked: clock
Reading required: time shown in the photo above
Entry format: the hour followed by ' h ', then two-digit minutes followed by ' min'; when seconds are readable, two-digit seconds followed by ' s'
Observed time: 5 h 47 min 10 s
